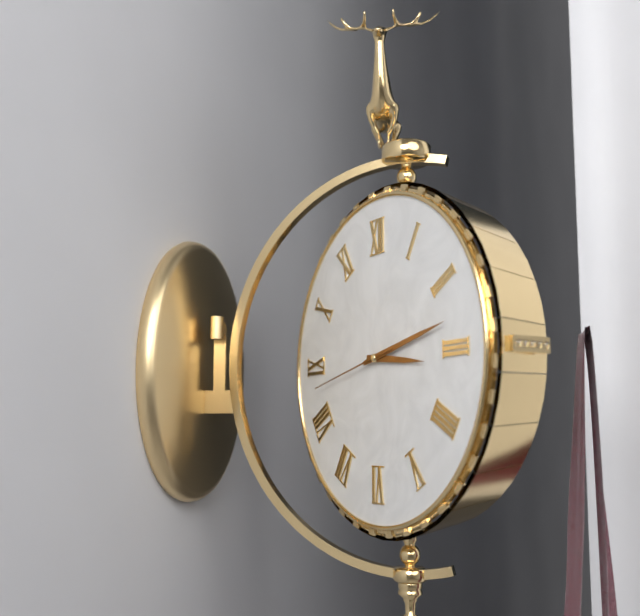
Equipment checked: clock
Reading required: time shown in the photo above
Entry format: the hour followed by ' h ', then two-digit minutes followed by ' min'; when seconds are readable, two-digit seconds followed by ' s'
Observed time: 3 h 13 min 43 s
